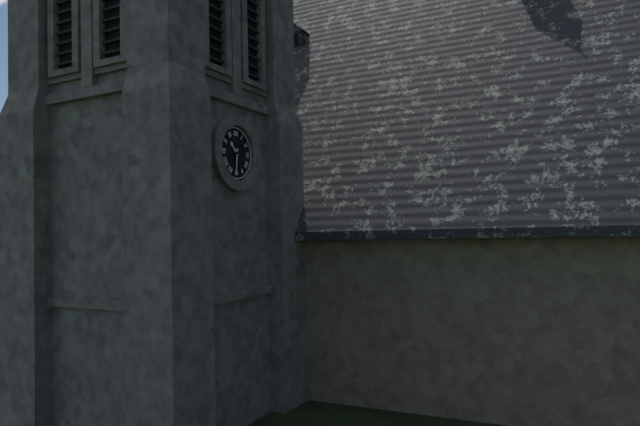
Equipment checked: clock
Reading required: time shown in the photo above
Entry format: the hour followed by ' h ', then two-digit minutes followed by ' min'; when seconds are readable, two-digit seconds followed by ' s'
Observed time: 10 h 31 min
